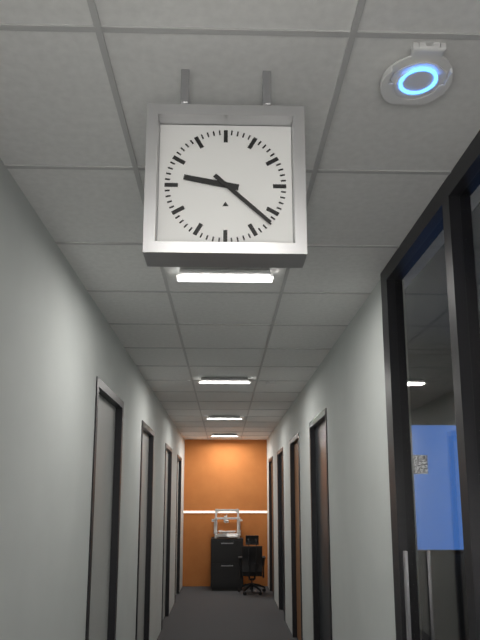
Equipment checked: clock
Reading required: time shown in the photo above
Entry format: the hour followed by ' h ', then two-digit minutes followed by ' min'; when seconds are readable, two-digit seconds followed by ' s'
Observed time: 9 h 22 min
